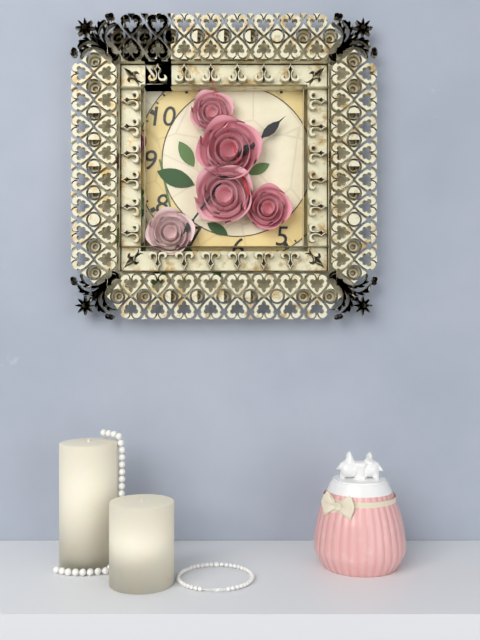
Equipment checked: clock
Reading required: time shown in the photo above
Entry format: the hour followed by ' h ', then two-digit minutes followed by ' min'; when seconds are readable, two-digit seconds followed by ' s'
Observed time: 1 h 36 min 57 s
